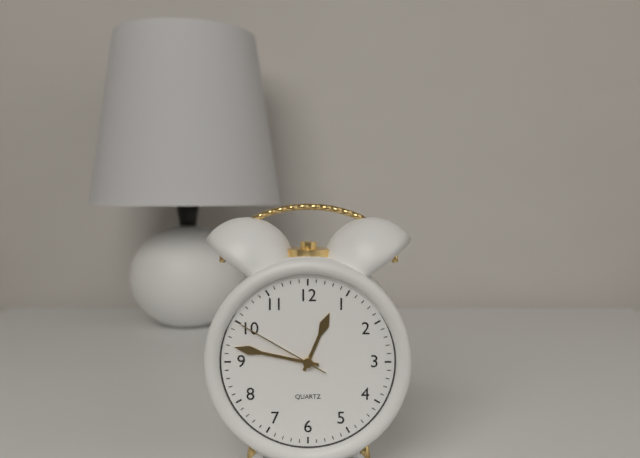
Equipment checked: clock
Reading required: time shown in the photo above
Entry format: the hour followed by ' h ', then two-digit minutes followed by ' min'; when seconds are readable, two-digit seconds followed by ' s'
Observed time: 12 h 47 min 50 s
